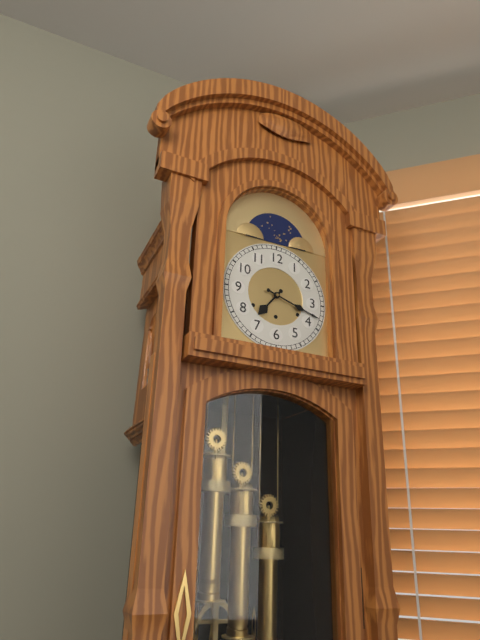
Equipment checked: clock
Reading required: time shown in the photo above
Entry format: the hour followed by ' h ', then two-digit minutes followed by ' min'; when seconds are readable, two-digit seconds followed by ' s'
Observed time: 7 h 18 min
